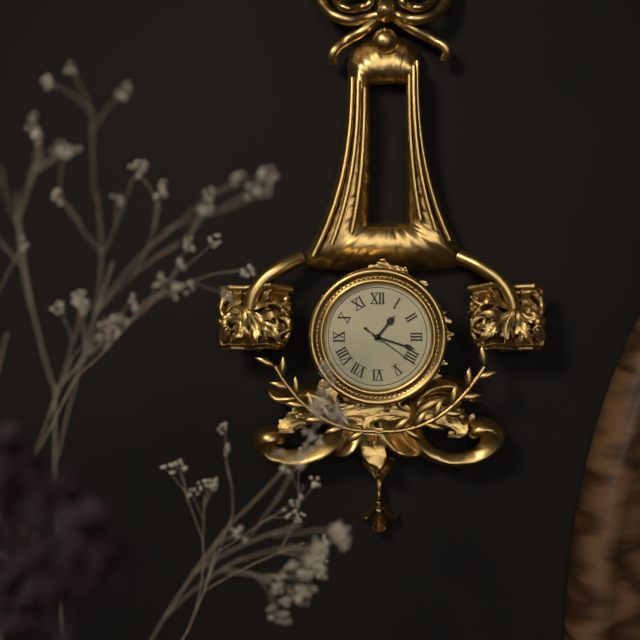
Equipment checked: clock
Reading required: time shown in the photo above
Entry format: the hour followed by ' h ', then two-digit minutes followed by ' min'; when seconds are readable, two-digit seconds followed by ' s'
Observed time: 1 h 18 min 21 s
